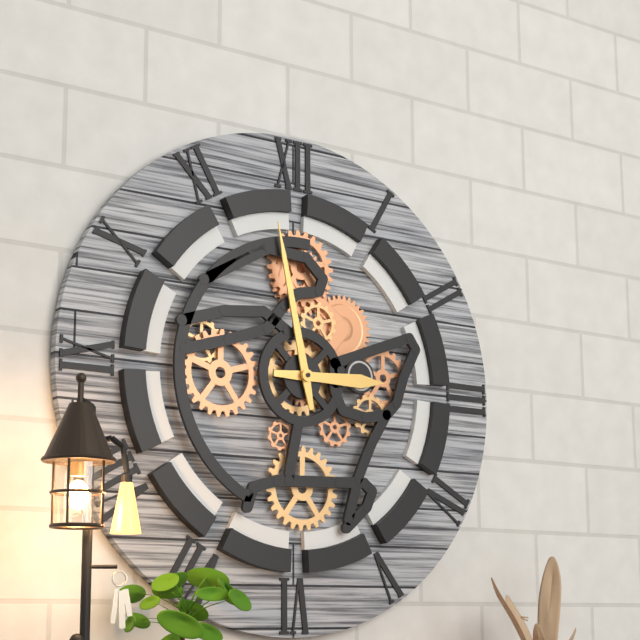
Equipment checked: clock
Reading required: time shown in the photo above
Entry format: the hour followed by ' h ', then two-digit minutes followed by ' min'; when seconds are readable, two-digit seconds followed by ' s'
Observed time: 2 h 58 min
